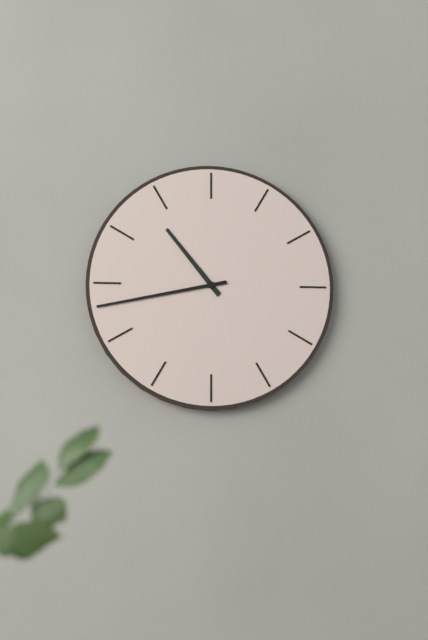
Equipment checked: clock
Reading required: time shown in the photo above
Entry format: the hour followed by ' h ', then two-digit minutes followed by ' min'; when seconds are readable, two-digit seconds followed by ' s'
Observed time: 10 h 43 min
